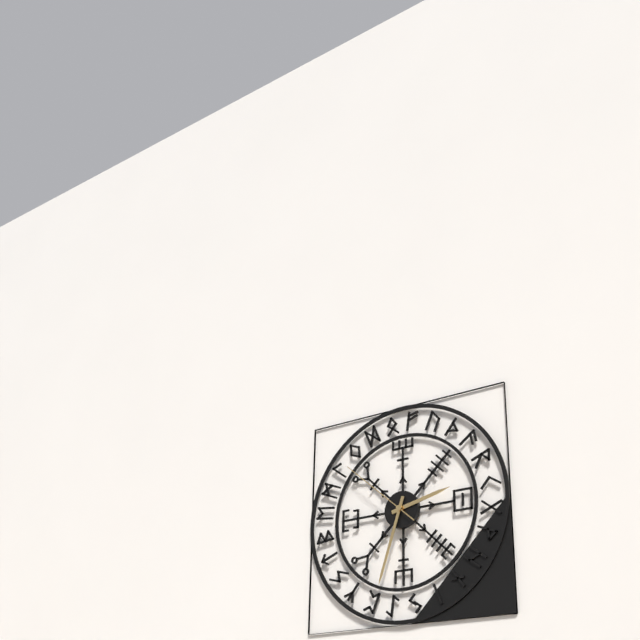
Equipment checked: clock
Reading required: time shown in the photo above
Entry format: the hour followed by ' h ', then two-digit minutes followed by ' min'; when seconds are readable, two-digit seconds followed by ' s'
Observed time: 2 h 33 min 52 s
